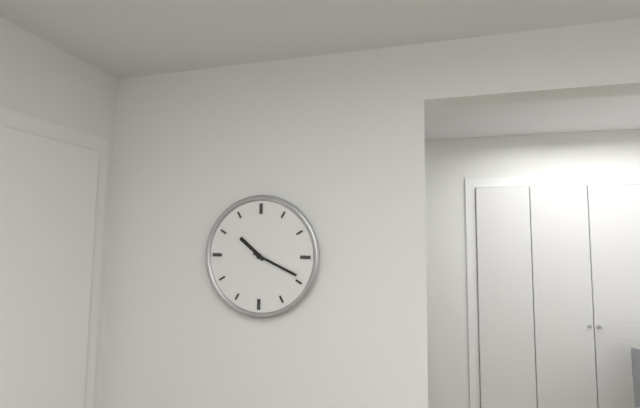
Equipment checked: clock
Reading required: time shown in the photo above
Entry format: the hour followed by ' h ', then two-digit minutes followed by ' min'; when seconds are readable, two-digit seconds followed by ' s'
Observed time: 10 h 19 min
